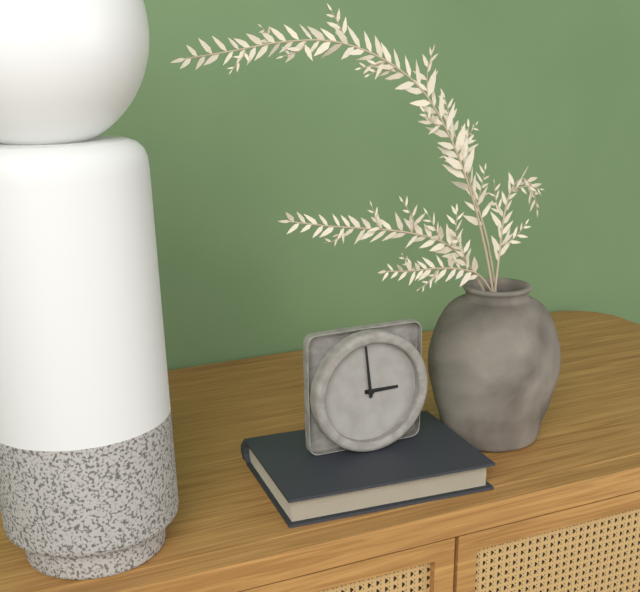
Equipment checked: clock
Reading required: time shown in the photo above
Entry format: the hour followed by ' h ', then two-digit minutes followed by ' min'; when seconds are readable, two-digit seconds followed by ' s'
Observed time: 2 h 59 min
